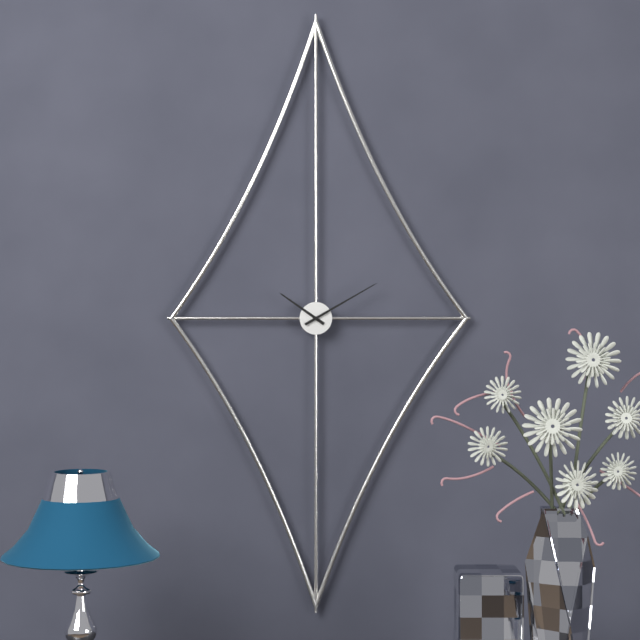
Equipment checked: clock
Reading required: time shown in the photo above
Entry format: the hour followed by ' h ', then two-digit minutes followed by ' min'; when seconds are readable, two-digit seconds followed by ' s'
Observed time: 10 h 10 min
